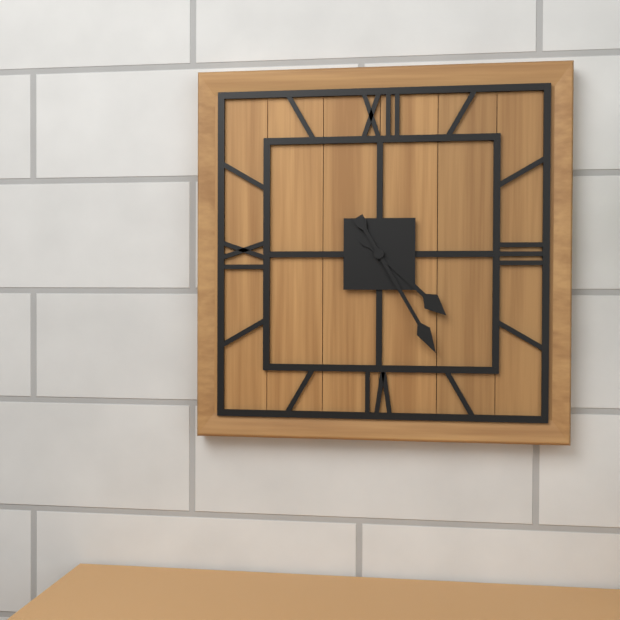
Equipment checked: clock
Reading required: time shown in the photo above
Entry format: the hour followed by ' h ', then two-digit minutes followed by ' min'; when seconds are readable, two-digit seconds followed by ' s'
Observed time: 4 h 25 min
